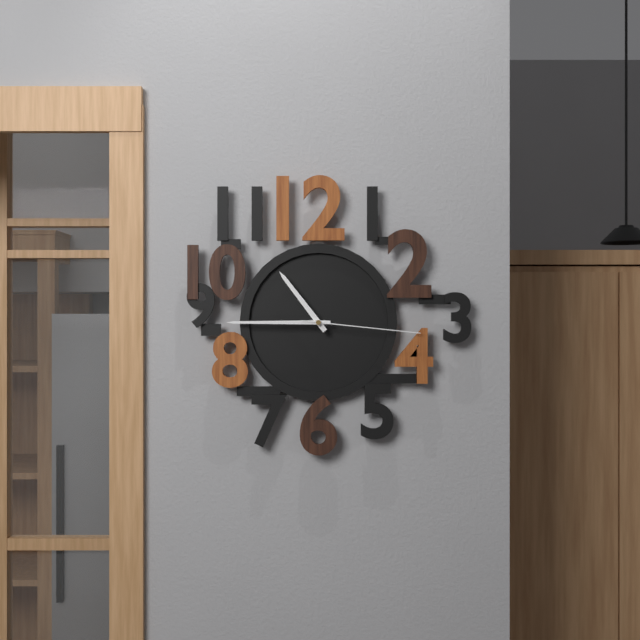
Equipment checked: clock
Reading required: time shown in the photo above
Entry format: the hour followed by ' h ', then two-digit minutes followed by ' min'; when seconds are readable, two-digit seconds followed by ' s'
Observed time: 10 h 45 min 16 s
